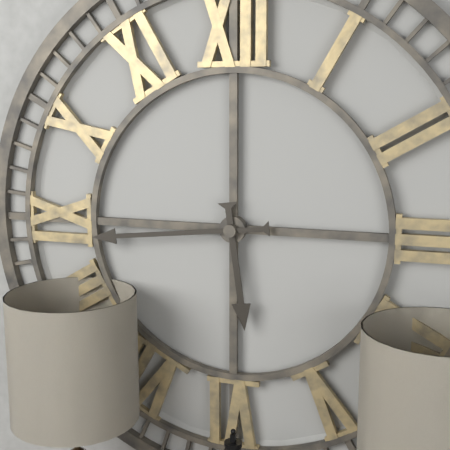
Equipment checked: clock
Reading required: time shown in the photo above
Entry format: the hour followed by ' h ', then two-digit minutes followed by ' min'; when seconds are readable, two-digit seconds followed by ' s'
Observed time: 5 h 44 min
